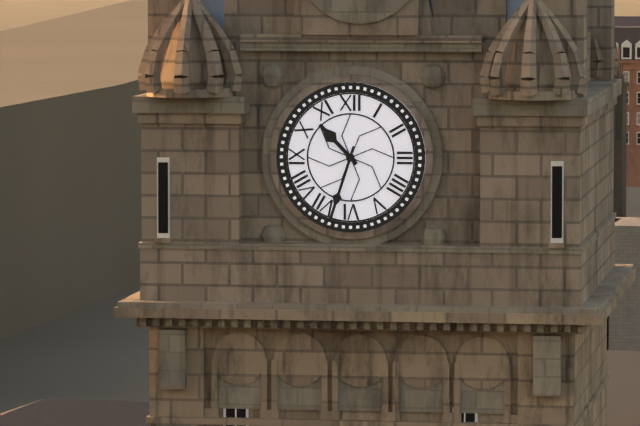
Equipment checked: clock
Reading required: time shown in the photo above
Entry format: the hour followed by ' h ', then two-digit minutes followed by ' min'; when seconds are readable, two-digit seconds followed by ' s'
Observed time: 10 h 33 min
